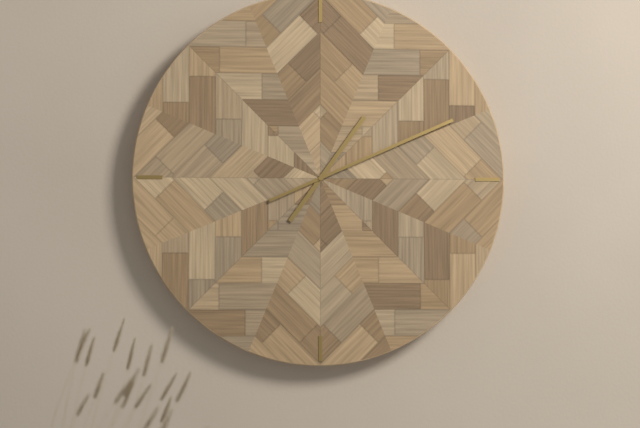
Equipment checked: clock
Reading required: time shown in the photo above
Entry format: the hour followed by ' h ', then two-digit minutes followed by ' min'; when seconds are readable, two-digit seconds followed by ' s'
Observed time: 1 h 11 min
